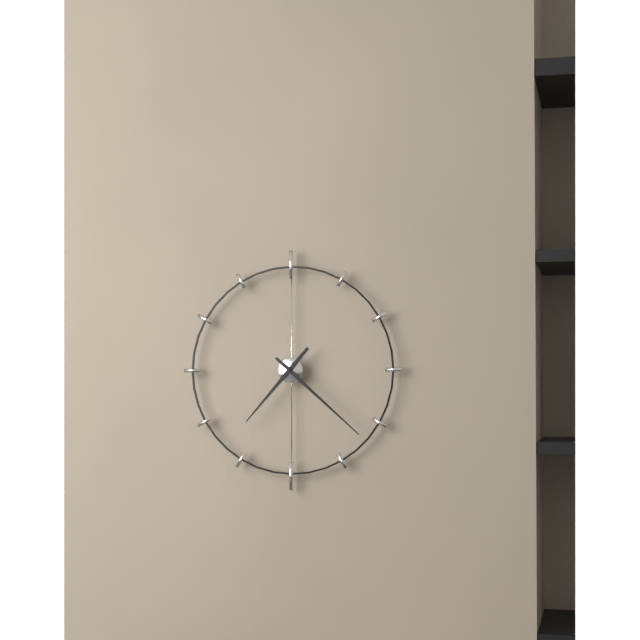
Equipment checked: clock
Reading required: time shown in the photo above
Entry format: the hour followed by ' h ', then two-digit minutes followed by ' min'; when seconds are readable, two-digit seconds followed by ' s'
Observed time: 7 h 22 min
